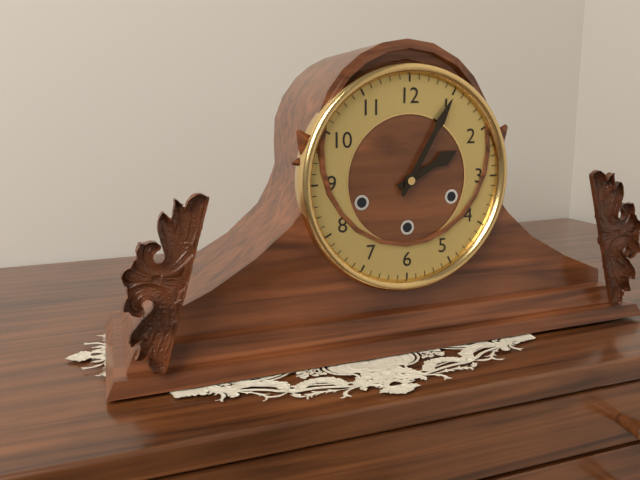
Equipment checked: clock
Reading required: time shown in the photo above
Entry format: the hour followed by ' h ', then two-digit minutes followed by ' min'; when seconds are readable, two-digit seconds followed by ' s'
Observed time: 2 h 05 min
